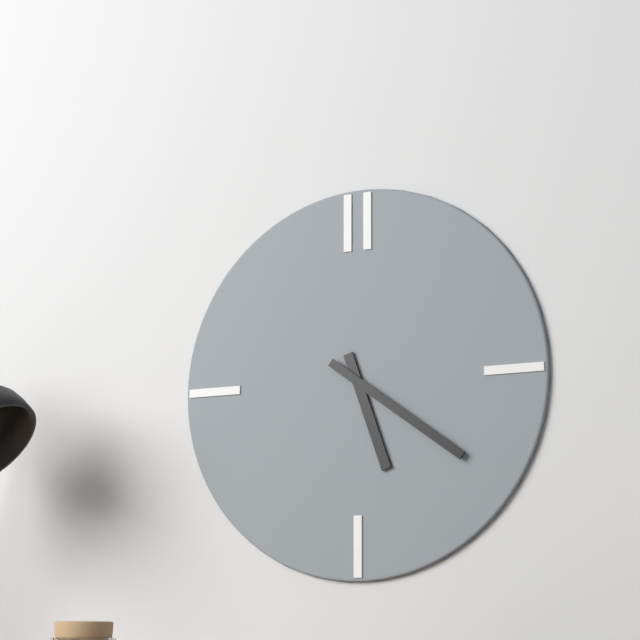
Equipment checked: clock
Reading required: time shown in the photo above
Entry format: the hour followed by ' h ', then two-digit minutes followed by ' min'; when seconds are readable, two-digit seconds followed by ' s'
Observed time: 5 h 21 min
